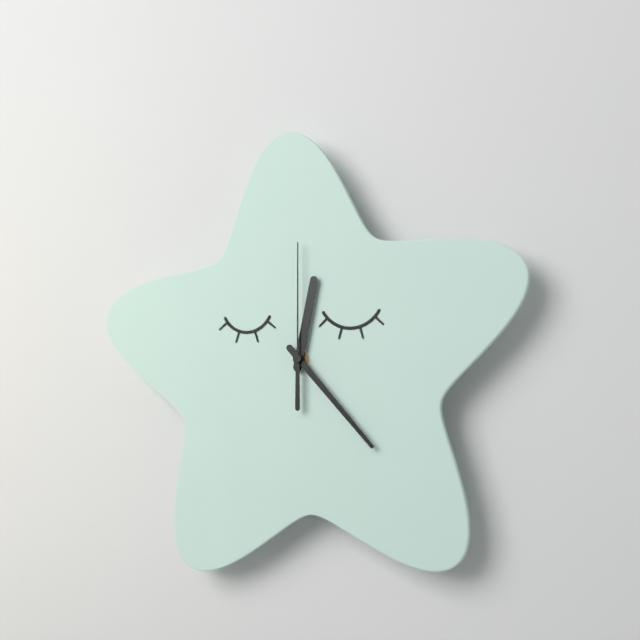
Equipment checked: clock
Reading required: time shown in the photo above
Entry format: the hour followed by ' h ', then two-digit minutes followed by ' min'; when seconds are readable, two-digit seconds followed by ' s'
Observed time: 12 h 23 min 00 s
